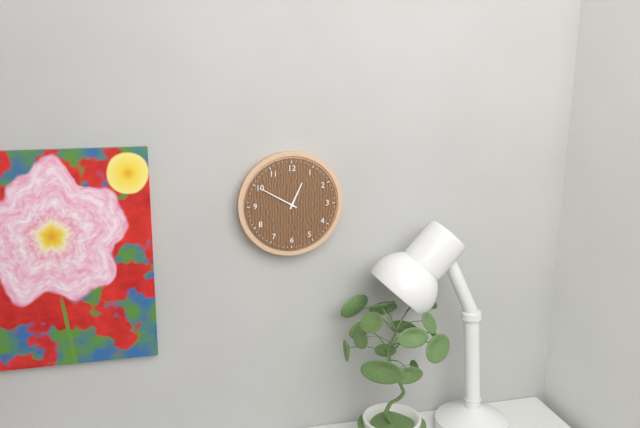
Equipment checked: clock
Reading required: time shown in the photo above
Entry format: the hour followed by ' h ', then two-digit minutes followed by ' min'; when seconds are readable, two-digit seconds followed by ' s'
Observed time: 12 h 50 min
